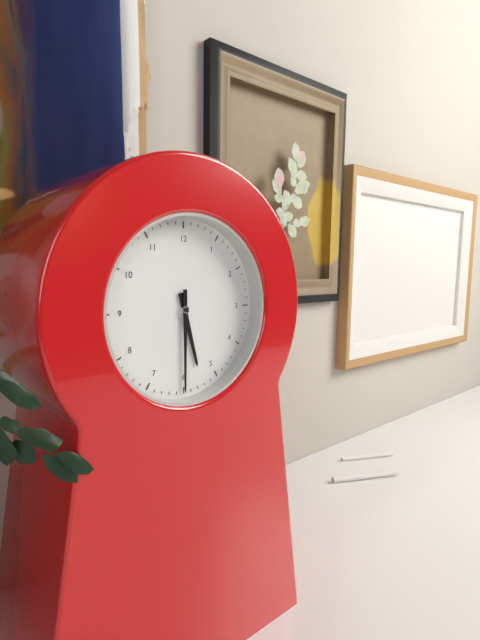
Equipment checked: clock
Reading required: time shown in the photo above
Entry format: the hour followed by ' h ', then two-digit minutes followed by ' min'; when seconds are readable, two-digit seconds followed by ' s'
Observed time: 5 h 30 min
